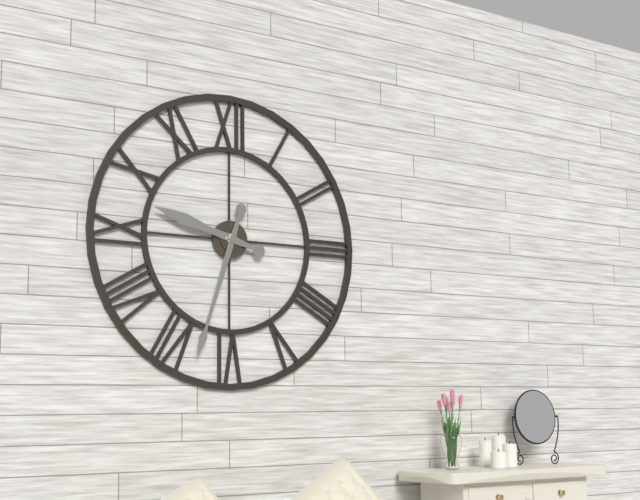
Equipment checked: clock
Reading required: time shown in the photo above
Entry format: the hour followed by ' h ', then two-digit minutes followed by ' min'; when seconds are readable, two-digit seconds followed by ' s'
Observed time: 9 h 33 min
